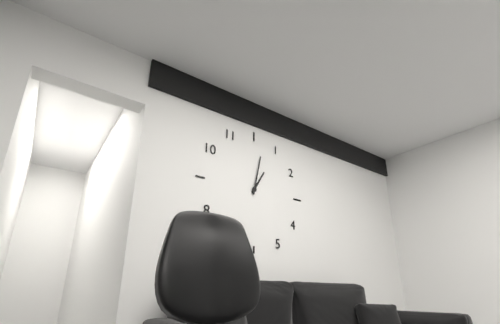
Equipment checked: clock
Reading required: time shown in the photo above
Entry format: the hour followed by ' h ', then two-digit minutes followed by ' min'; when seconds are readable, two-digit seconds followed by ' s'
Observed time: 1 h 02 min
